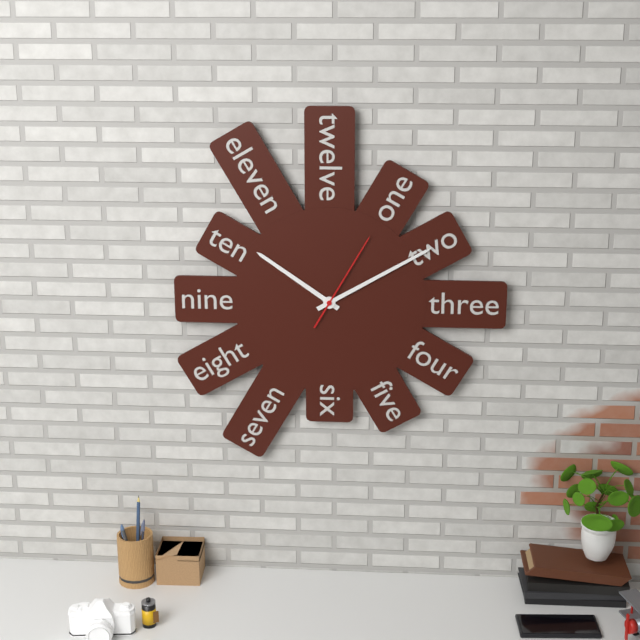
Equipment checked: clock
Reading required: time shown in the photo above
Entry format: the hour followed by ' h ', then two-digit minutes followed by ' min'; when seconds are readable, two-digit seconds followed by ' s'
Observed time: 10 h 10 min 05 s
